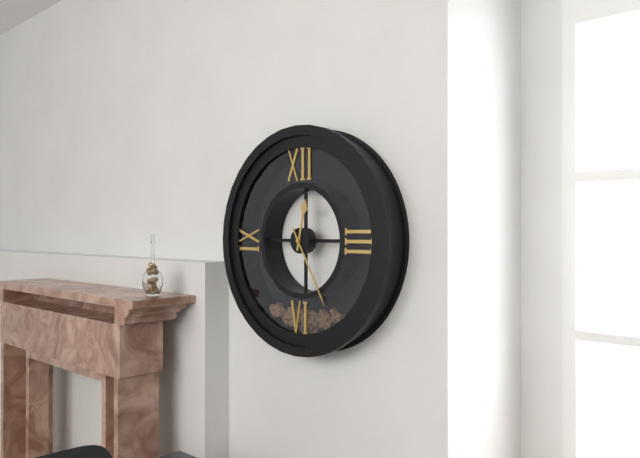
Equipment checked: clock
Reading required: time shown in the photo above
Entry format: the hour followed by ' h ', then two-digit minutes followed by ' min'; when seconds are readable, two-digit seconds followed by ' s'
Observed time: 12 h 25 min
